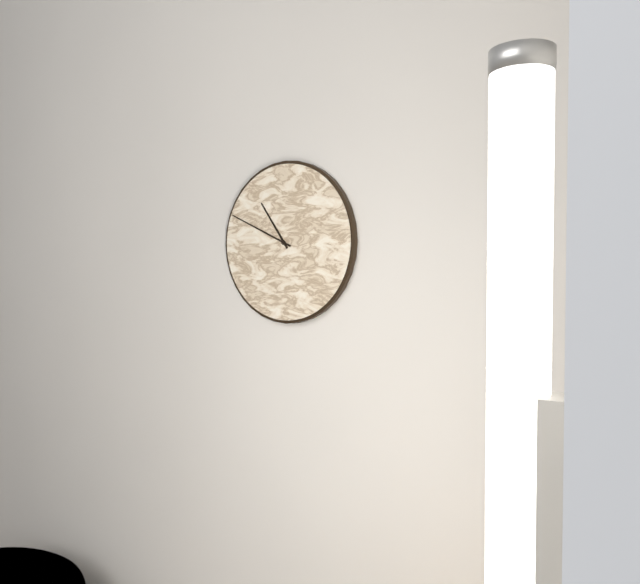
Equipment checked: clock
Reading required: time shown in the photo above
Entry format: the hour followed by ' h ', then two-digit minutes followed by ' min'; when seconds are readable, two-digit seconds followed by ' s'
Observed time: 10 h 49 min
